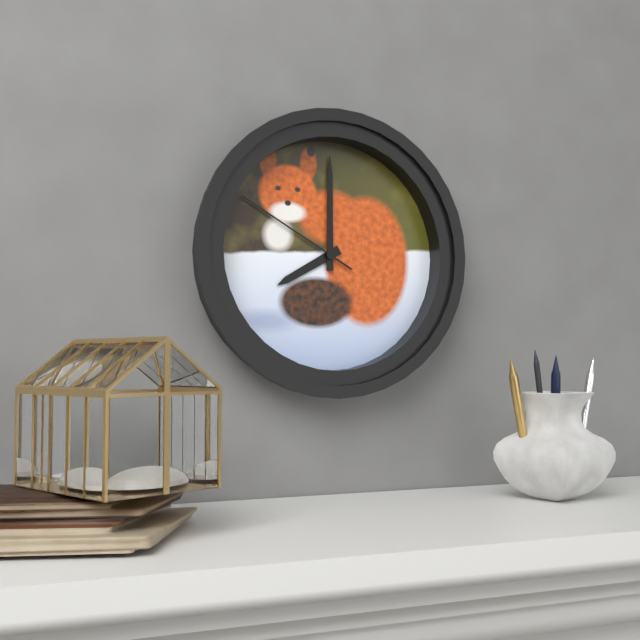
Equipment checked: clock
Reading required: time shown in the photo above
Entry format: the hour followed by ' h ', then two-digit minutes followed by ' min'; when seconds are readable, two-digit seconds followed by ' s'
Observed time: 8 h 00 min 50 s
